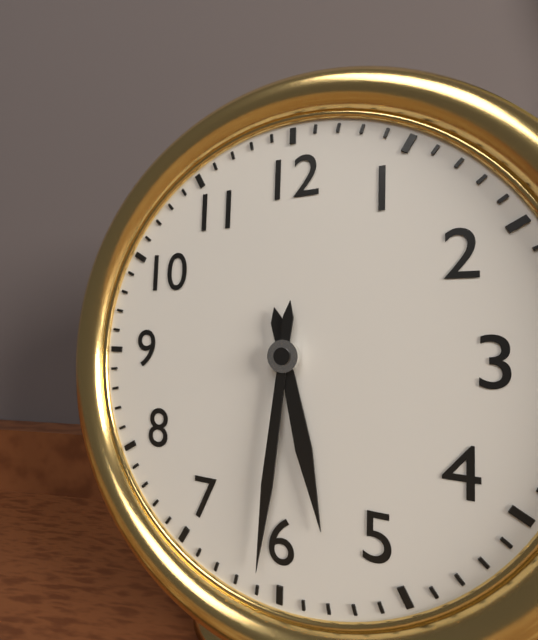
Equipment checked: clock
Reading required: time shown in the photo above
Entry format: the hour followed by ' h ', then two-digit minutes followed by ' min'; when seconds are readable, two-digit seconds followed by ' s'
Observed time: 5 h 31 min
